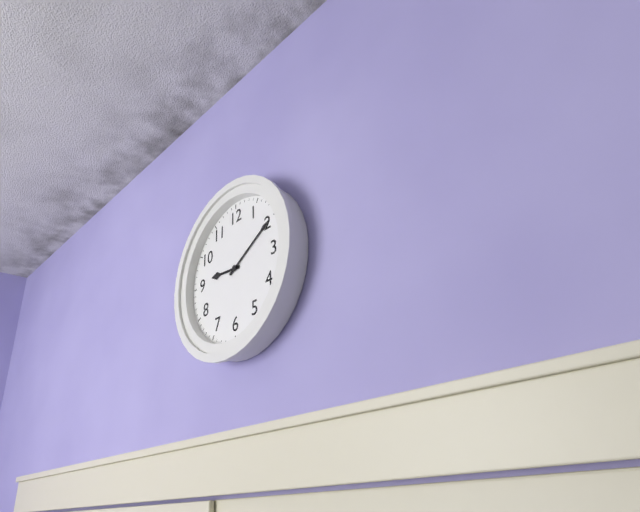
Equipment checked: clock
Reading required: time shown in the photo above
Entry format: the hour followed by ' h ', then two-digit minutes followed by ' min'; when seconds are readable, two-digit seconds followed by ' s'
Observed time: 9 h 10 min
